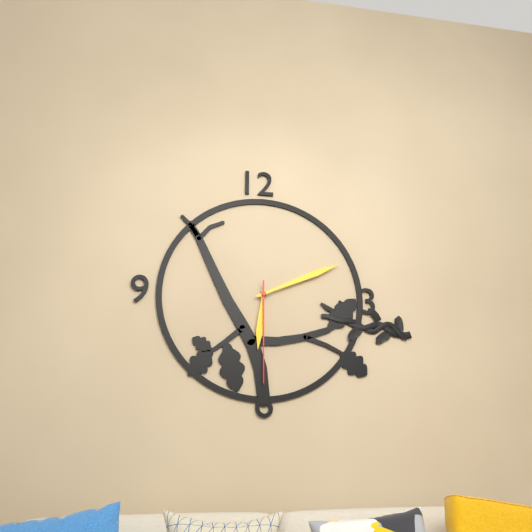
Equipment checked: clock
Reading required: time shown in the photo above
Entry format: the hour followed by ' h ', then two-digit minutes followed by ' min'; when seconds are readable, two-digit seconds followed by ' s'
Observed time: 6 h 11 min 30 s
